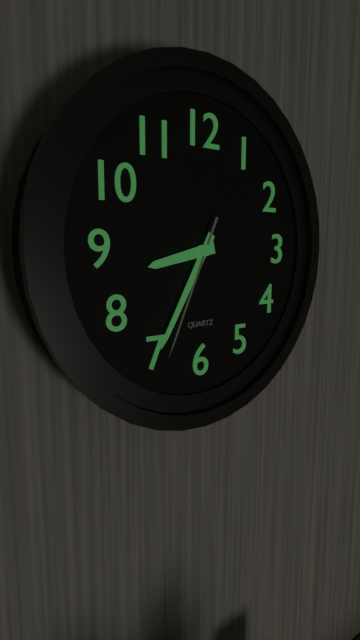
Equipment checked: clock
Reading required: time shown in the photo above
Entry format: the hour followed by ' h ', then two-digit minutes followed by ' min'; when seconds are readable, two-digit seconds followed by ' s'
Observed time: 8 h 35 min 34 s
